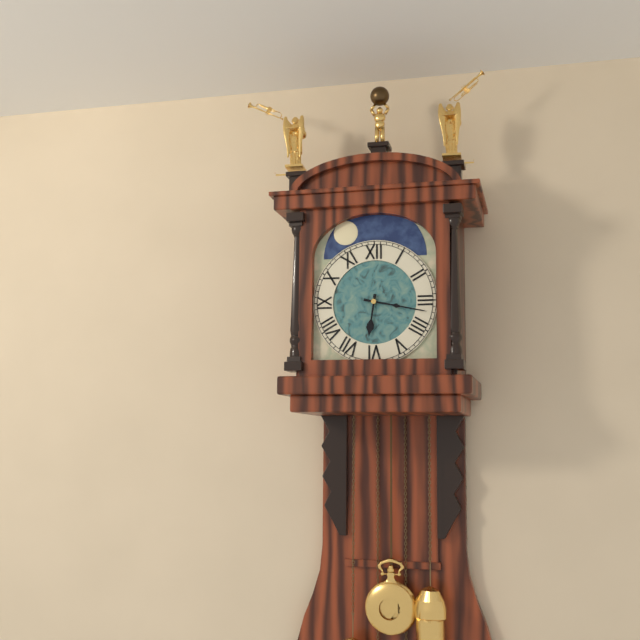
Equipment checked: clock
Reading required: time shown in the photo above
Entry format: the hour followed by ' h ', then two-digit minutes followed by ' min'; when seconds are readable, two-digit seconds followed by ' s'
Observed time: 6 h 17 min
